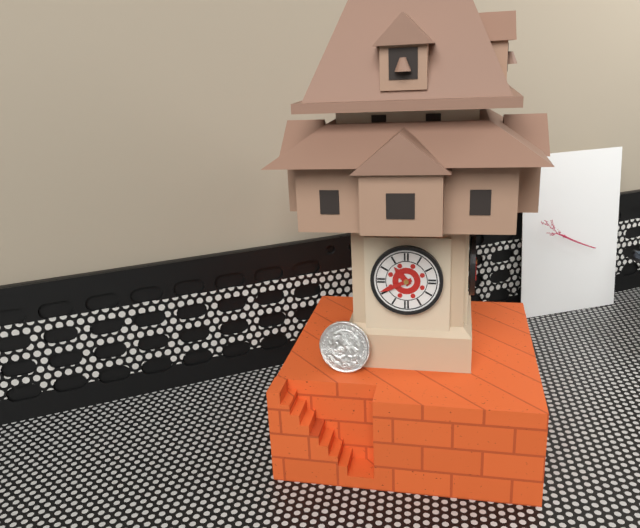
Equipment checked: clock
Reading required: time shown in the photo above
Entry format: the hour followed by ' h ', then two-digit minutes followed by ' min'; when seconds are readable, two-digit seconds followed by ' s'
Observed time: 10 h 41 min
